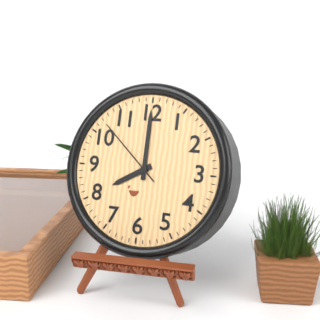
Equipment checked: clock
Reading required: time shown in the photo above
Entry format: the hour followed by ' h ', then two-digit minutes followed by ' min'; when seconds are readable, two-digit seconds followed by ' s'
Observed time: 8 h 00 min 52 s
